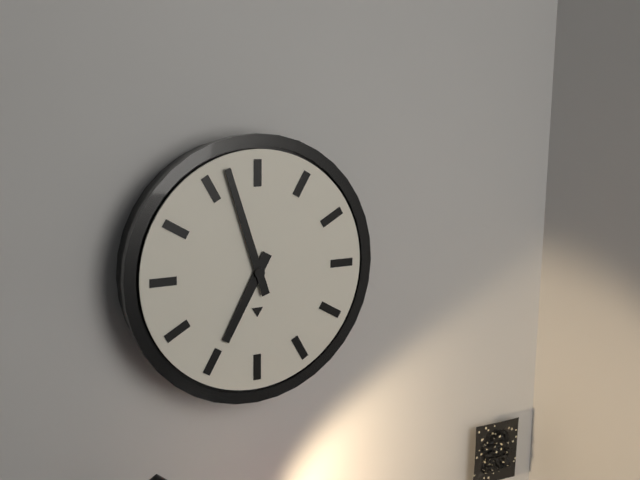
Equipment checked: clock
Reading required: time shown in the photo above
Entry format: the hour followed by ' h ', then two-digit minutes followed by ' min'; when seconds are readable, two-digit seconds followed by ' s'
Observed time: 6 h 57 min
